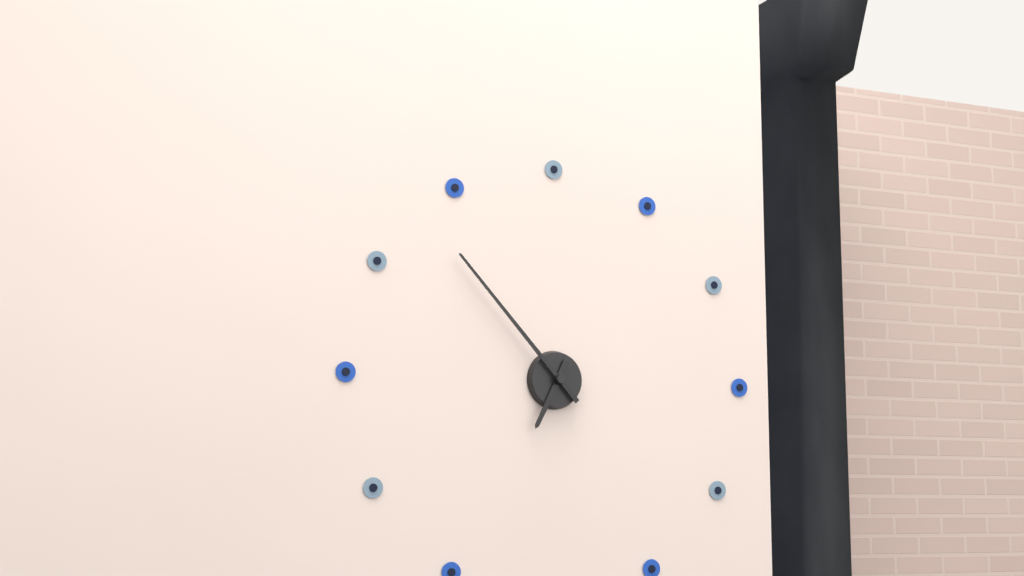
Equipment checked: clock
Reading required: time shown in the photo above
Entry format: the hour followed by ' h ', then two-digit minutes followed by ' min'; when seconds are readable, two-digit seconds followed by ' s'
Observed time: 6 h 53 min
